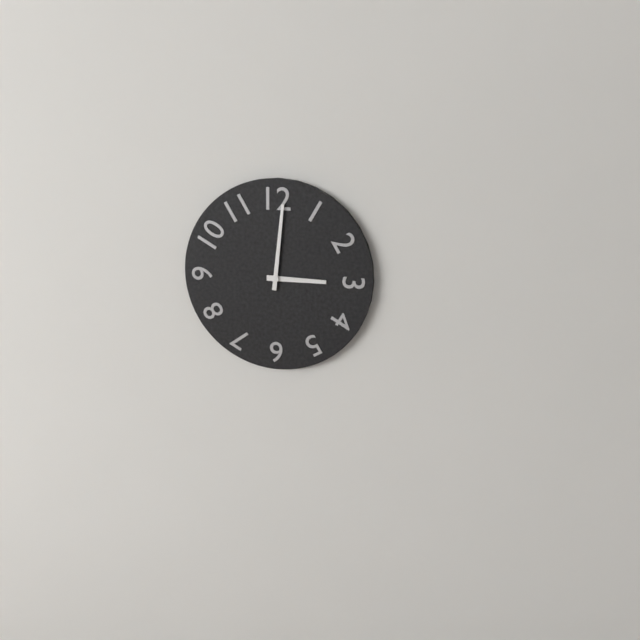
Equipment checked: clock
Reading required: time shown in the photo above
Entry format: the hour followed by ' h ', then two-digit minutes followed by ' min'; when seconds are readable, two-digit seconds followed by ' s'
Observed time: 3 h 01 min
